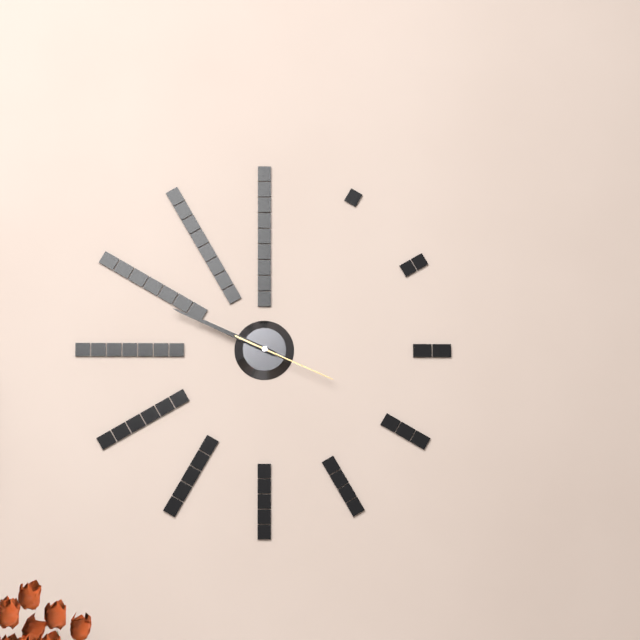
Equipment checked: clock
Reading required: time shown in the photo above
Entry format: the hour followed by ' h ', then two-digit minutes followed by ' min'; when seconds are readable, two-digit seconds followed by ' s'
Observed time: 9 h 49 min 19 s
